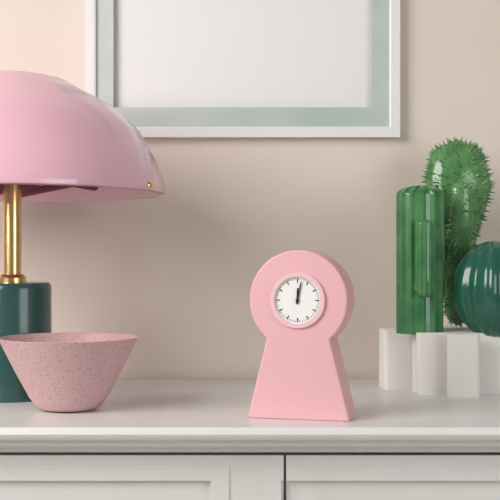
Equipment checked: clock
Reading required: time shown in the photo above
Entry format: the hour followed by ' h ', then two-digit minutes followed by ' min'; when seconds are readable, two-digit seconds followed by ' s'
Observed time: 12 h 02 min
